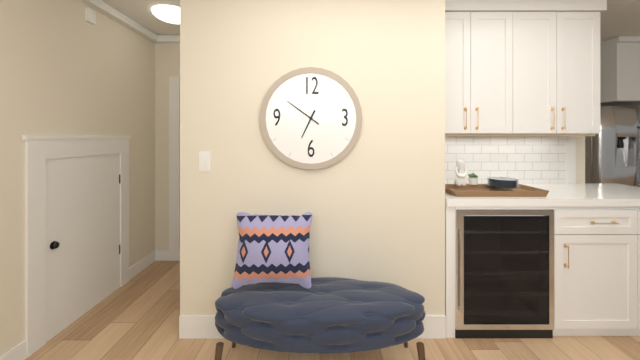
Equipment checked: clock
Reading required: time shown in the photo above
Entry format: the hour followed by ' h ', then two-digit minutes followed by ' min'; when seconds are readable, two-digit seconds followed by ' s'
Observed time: 6 h 51 min
